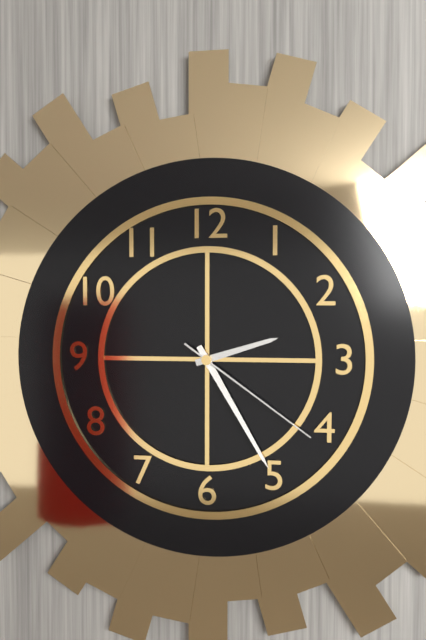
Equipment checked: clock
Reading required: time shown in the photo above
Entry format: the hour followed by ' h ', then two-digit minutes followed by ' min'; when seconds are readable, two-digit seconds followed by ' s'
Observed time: 2 h 25 min 21 s
